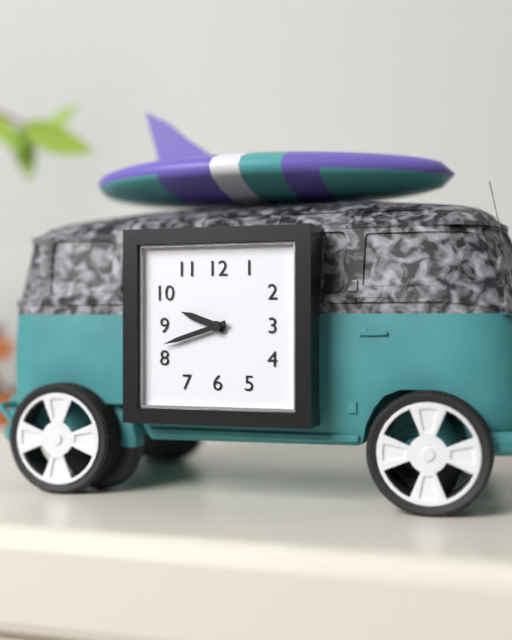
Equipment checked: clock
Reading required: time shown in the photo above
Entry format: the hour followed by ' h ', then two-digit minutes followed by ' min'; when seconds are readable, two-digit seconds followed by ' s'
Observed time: 9 h 42 min
